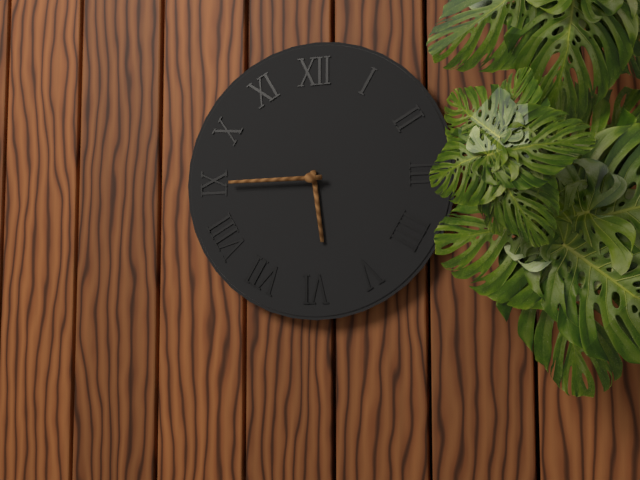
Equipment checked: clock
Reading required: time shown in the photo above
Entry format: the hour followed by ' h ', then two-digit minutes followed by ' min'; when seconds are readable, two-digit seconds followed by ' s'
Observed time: 5 h 45 min
